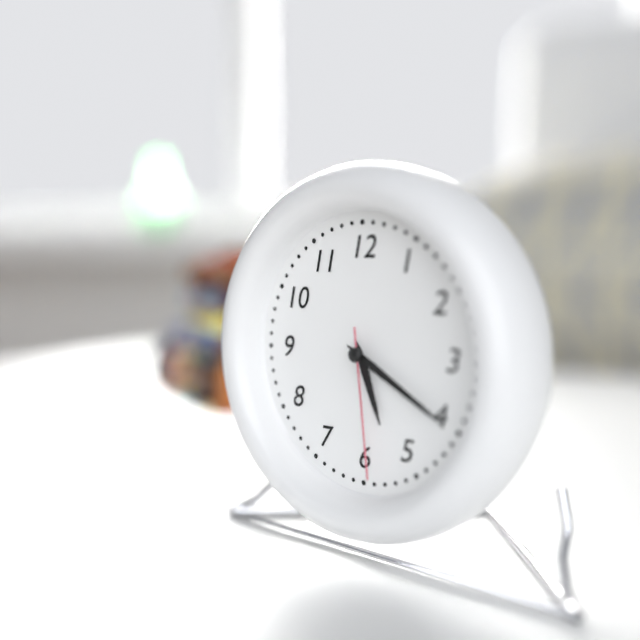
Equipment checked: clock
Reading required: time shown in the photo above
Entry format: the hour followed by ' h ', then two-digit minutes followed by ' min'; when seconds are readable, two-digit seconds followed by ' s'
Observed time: 5 h 20 min 29 s
